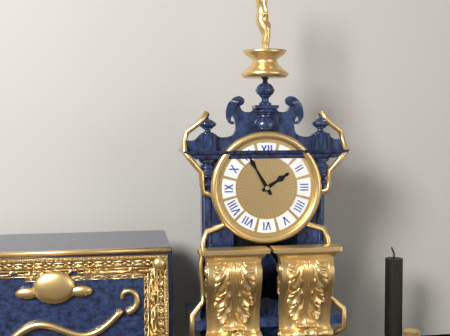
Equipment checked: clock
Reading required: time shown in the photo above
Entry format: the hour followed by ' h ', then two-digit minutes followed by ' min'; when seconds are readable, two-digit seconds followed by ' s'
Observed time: 1 h 55 min
